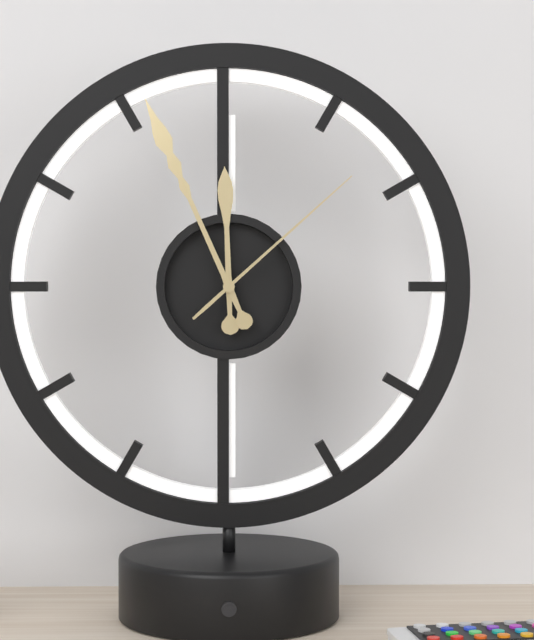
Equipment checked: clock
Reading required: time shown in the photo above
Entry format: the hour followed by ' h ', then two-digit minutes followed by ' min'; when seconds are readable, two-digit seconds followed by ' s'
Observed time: 11 h 56 min 08 s
